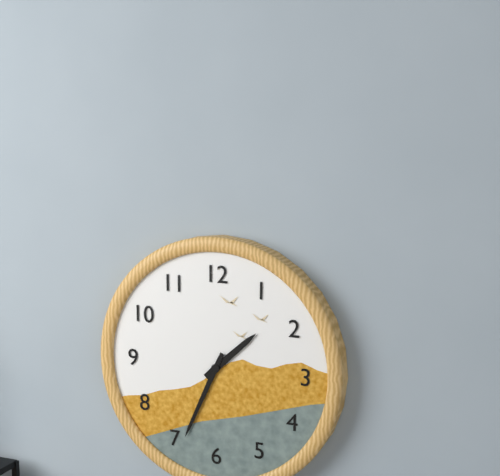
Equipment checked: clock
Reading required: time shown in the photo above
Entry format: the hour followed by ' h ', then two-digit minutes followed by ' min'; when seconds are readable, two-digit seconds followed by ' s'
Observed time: 1 h 34 min
